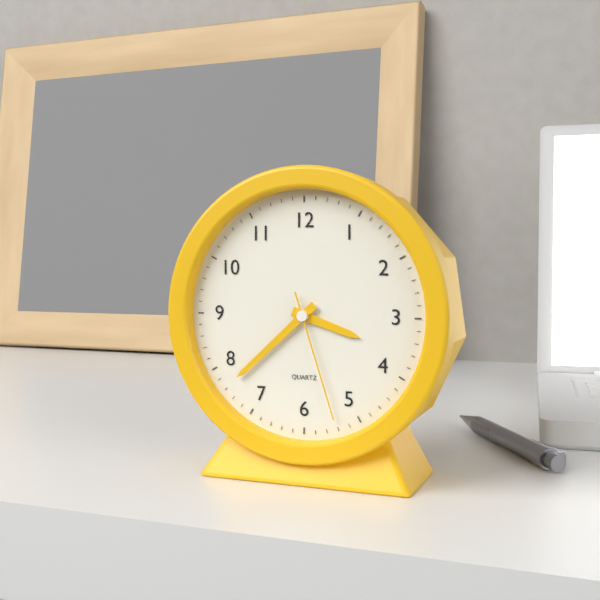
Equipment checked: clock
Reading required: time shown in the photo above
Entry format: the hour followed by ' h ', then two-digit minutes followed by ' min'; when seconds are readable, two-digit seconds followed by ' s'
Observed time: 3 h 38 min 27 s
